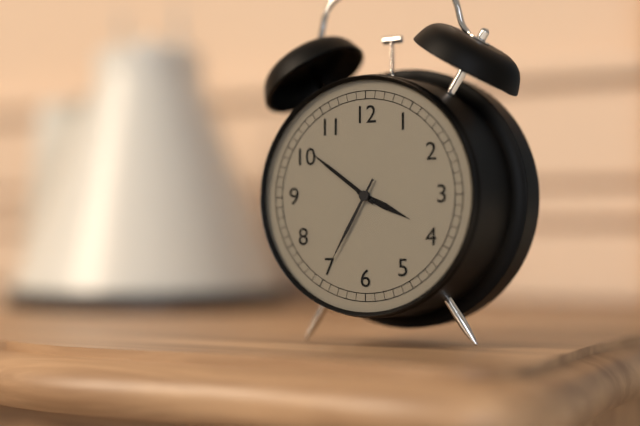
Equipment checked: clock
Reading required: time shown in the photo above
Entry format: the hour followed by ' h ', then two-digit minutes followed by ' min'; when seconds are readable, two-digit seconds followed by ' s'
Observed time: 3 h 51 min 35 s
